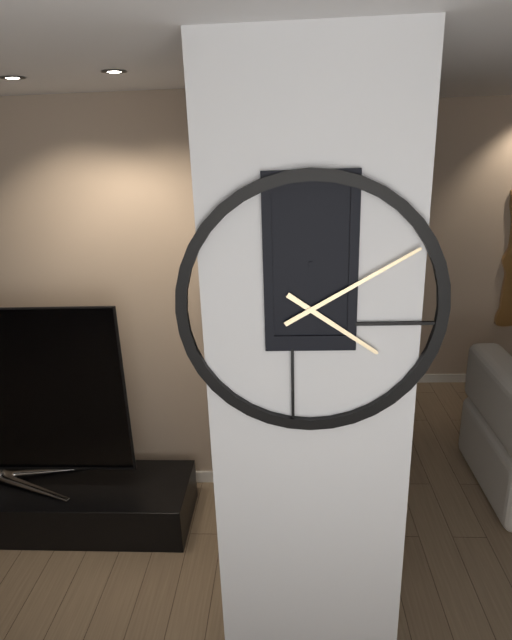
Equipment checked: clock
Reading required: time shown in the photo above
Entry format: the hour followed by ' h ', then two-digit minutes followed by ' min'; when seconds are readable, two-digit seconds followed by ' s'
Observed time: 4 h 10 min
